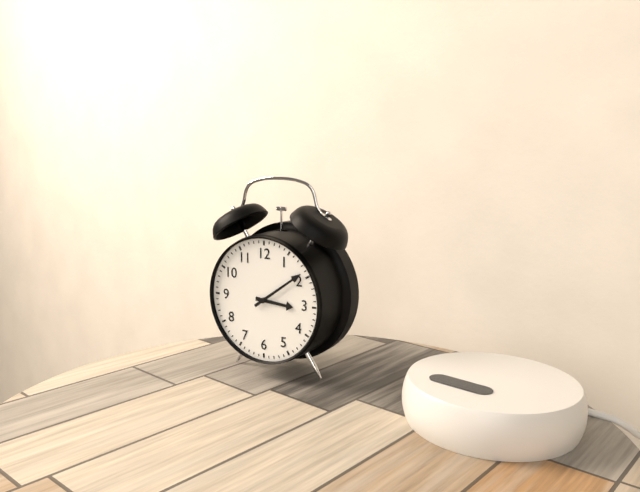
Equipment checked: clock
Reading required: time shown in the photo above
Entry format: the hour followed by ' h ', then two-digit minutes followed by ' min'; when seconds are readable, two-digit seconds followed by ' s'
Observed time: 3 h 09 min
